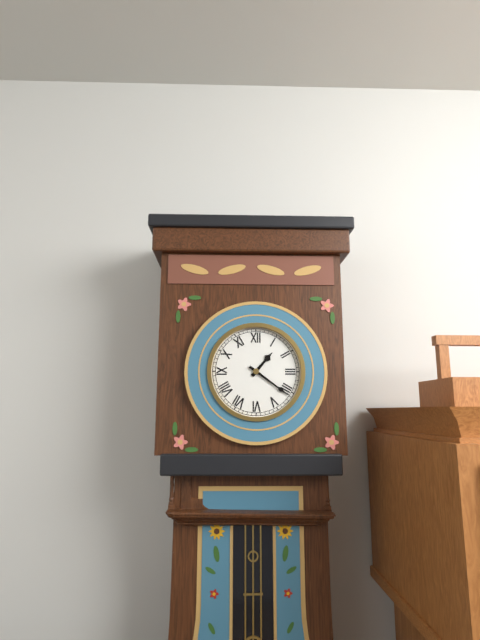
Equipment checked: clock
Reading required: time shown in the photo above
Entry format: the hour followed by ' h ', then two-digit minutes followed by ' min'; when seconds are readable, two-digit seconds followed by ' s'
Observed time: 1 h 21 min
